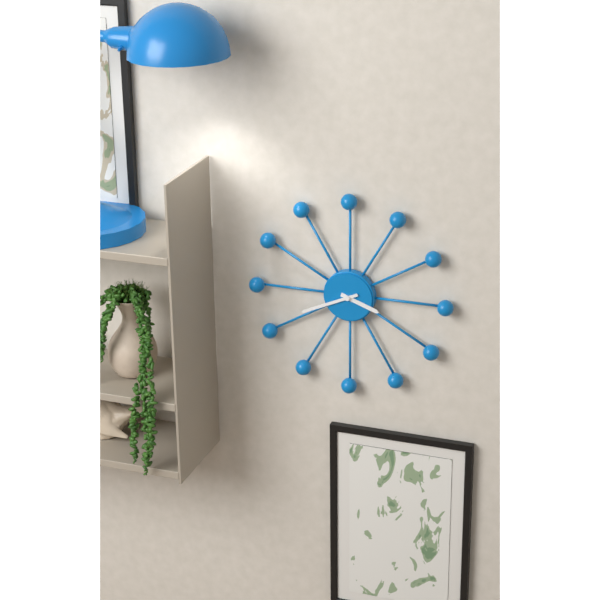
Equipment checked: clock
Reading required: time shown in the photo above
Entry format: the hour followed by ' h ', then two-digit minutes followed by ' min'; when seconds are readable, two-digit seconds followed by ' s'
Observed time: 3 h 41 min
